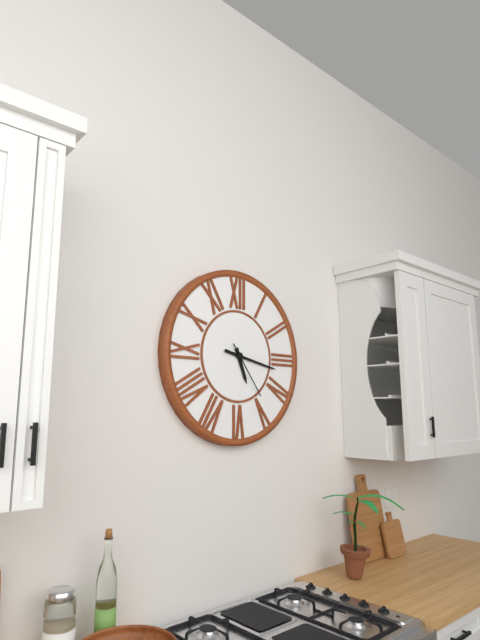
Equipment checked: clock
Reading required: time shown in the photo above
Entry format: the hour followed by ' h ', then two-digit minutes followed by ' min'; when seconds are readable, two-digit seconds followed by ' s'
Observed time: 5 h 17 min 24 s
